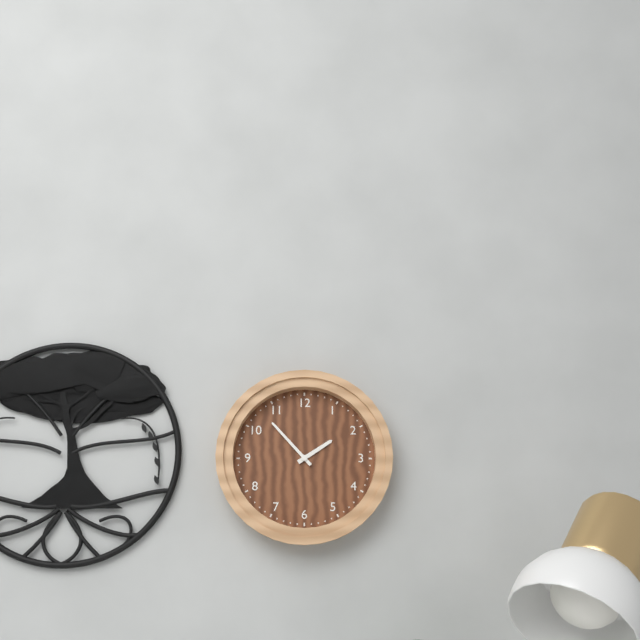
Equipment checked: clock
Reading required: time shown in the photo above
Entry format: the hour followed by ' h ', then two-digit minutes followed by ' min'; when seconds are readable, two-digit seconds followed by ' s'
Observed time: 1 h 53 min
